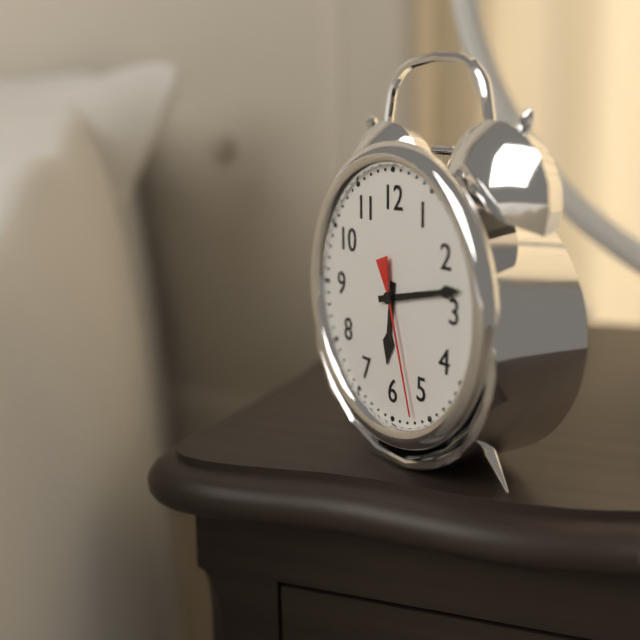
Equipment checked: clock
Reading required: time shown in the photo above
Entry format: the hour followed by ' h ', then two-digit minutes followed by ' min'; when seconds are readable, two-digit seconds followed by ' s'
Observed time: 6 h 13 min 27 s
